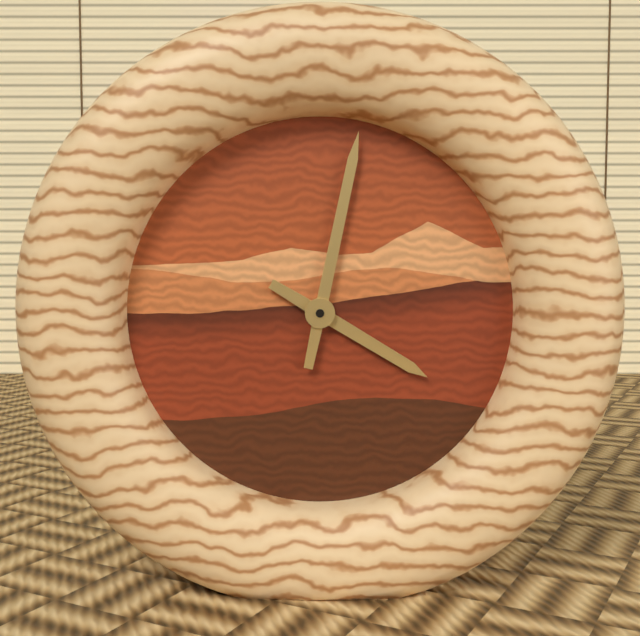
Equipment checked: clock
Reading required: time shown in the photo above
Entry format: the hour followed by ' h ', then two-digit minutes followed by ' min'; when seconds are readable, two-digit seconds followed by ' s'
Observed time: 4 h 02 min
